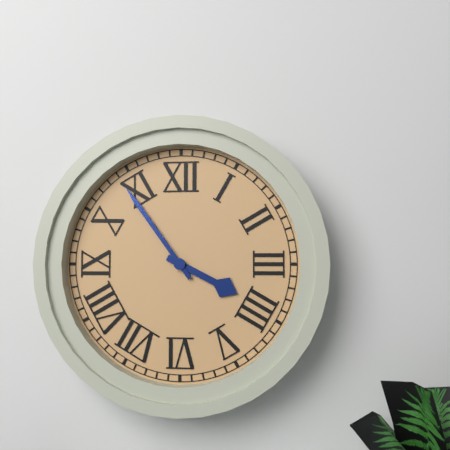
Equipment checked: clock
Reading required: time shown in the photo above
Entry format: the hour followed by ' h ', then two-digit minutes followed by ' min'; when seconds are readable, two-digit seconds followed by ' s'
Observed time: 3 h 54 min
